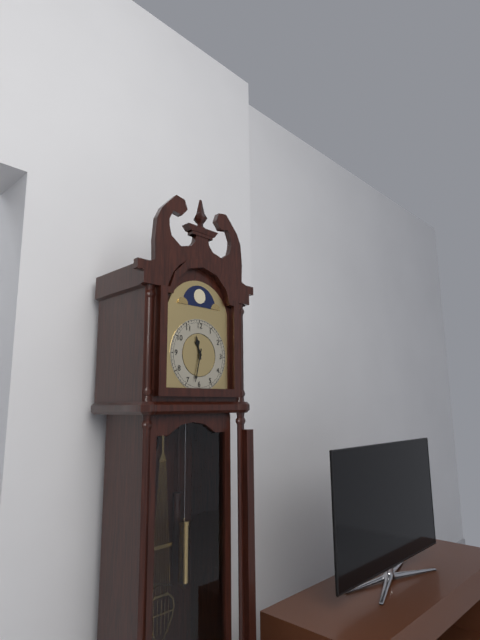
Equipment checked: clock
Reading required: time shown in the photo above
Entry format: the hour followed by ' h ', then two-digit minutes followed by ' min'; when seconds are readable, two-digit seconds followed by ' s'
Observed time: 11 h 32 min
